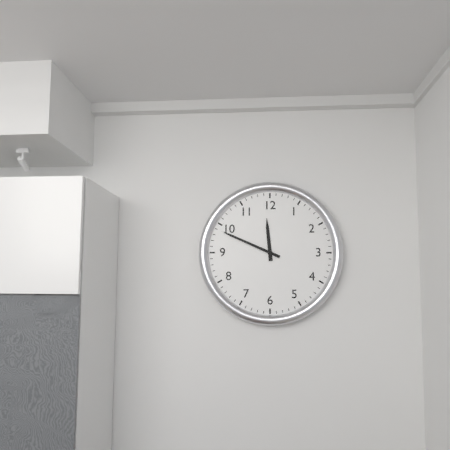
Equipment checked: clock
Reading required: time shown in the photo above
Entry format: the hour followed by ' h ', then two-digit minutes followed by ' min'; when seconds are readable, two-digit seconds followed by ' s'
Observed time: 11 h 49 min
